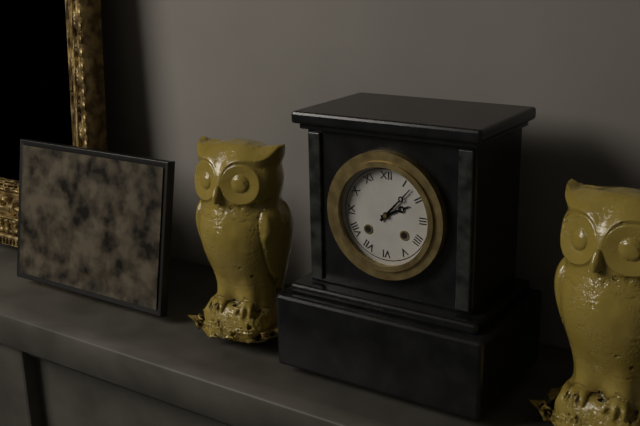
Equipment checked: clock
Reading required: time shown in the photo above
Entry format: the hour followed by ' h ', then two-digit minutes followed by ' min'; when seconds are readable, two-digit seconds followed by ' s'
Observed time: 2 h 07 min
